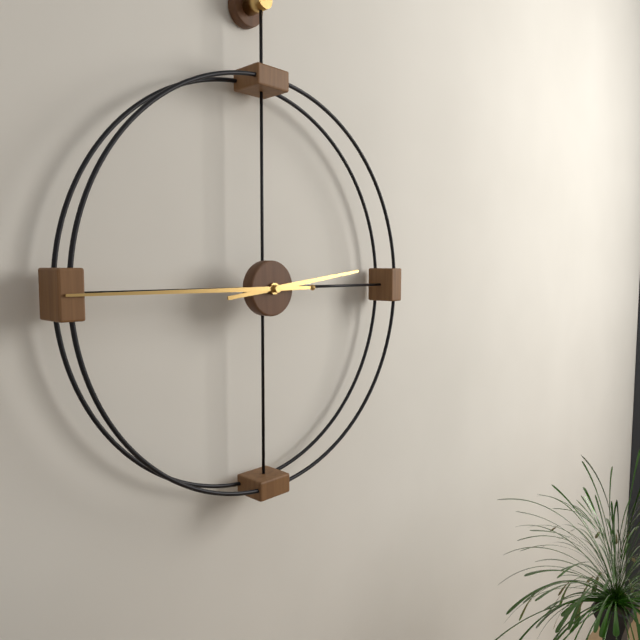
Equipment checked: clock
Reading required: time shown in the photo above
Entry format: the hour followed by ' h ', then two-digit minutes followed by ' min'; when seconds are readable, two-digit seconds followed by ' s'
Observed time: 2 h 45 min
